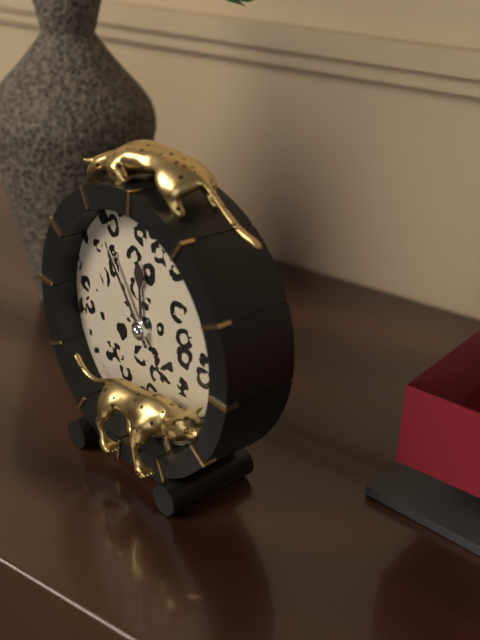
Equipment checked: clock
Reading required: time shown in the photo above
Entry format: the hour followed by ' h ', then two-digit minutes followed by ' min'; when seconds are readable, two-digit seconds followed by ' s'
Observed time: 11 h 54 min
